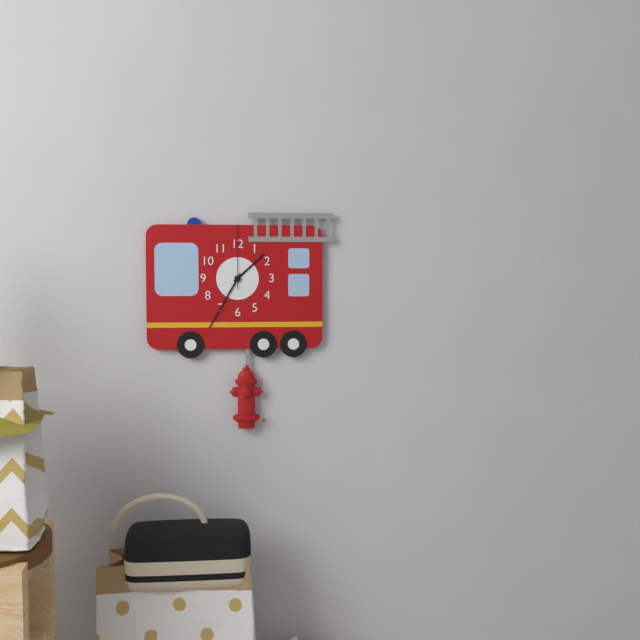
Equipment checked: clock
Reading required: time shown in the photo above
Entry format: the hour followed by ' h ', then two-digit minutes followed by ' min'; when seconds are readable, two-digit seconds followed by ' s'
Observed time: 1 h 35 min 00 s
